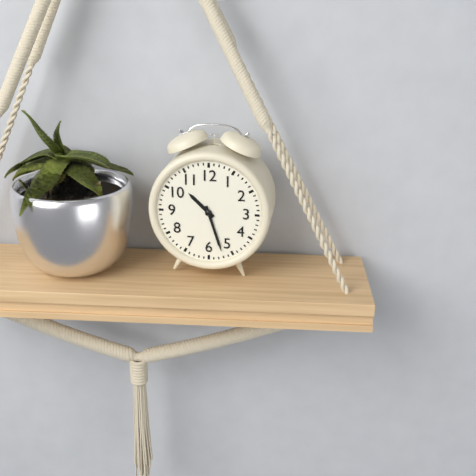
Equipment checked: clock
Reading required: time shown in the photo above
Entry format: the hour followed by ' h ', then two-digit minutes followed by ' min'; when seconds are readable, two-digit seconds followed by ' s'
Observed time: 10 h 27 min
